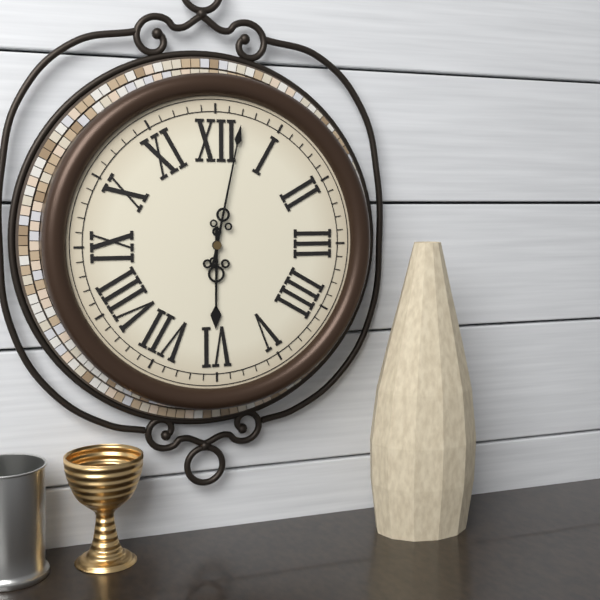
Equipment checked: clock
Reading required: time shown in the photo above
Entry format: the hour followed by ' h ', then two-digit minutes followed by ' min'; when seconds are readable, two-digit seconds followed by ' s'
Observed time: 6 h 02 min
